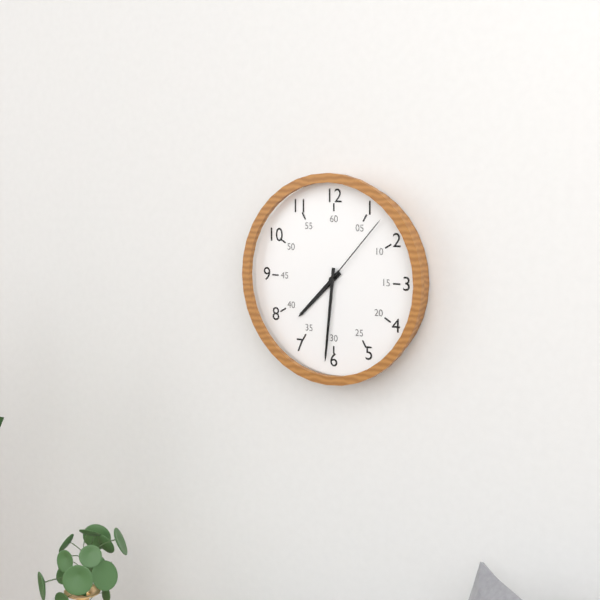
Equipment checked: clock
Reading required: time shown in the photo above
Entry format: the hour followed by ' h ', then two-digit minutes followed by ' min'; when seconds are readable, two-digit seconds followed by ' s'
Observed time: 7 h 31 min 07 s
